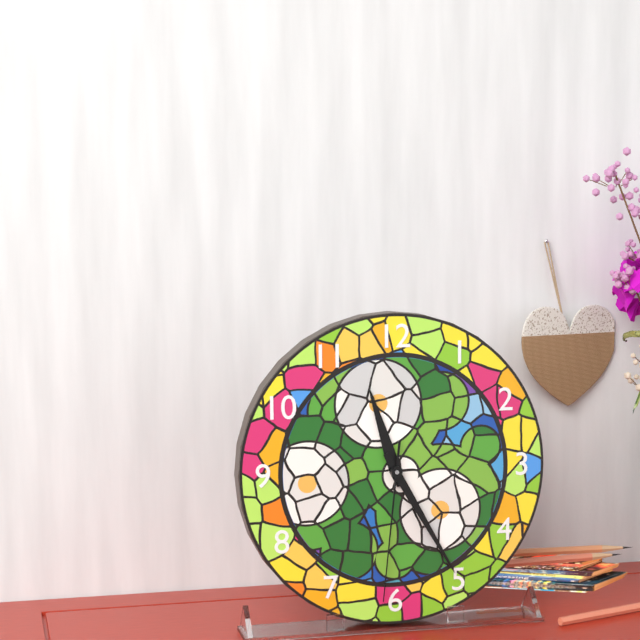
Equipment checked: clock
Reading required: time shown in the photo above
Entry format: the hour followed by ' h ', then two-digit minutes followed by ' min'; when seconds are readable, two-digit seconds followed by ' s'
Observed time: 11 h 25 min 31 s
